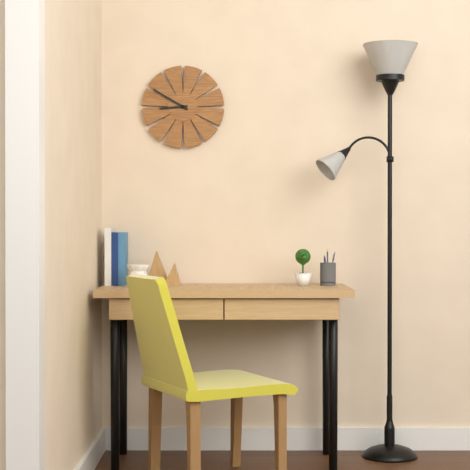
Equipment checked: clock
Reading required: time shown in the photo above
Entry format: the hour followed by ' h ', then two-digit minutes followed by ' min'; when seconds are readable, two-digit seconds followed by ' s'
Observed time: 8 h 50 min
